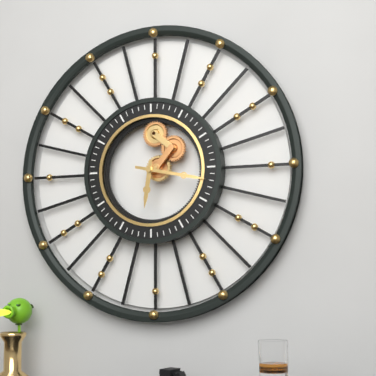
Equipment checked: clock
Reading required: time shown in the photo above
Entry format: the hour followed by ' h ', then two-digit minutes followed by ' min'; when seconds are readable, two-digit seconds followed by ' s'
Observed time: 6 h 17 min
